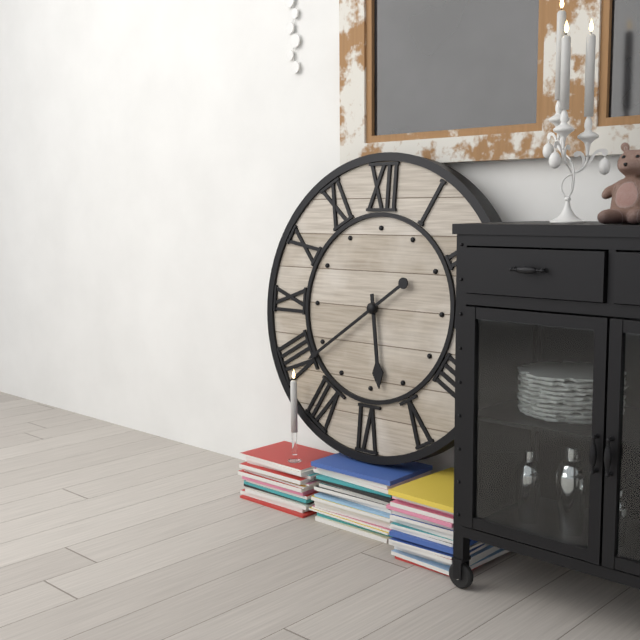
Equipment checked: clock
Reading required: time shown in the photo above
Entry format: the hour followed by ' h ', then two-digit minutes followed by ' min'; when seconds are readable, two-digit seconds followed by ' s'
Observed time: 5 h 39 min
